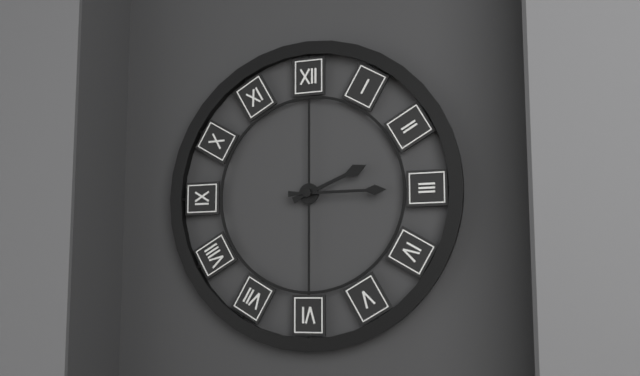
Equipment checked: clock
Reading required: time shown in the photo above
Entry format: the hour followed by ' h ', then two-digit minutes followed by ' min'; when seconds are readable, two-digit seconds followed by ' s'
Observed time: 2 h 15 min
